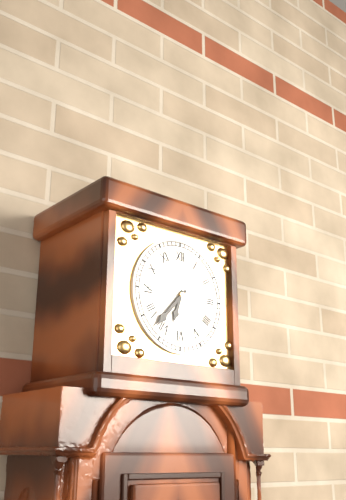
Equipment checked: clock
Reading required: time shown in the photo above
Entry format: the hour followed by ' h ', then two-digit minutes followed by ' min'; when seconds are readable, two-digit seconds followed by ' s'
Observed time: 6 h 37 min
